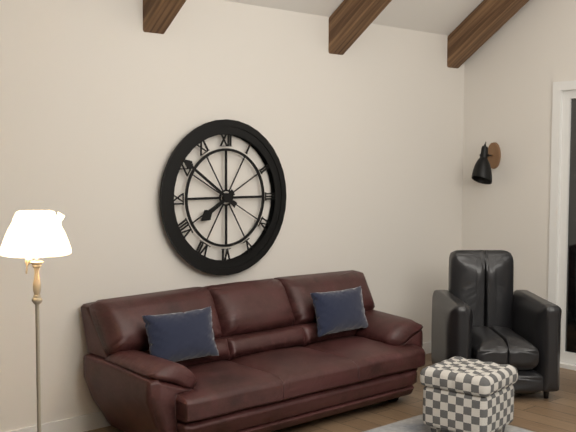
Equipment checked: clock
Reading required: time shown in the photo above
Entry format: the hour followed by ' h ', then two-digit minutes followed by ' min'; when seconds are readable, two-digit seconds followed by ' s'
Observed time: 7 h 51 min
